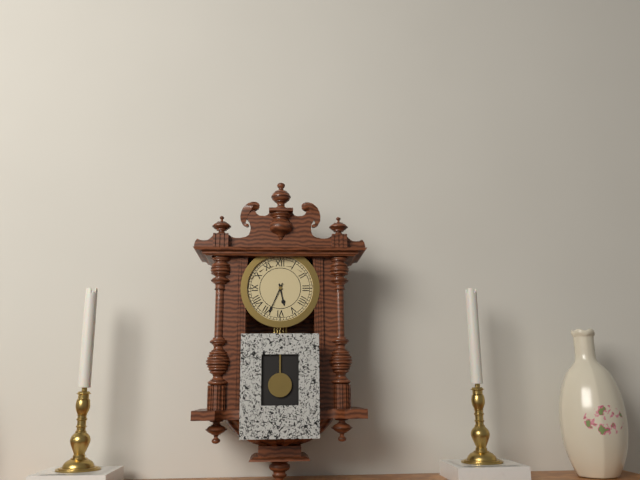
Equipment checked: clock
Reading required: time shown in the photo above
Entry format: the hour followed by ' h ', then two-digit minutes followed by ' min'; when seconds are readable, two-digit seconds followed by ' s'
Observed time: 5 h 34 min
